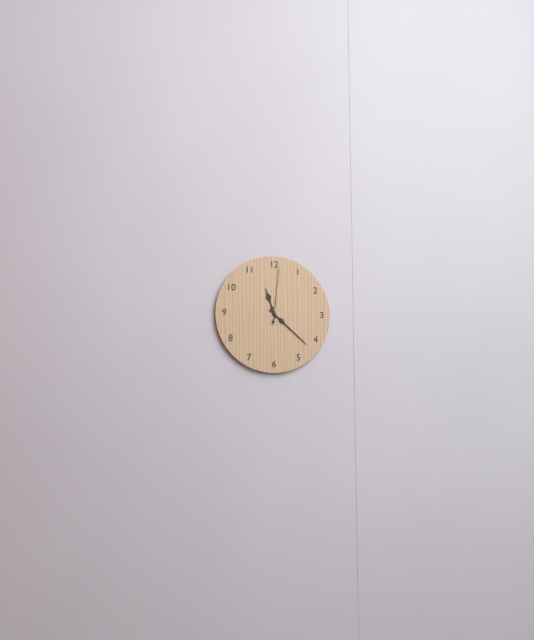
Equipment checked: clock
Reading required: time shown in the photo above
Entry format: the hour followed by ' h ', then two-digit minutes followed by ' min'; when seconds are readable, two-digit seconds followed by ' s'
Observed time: 11 h 22 min 01 s
